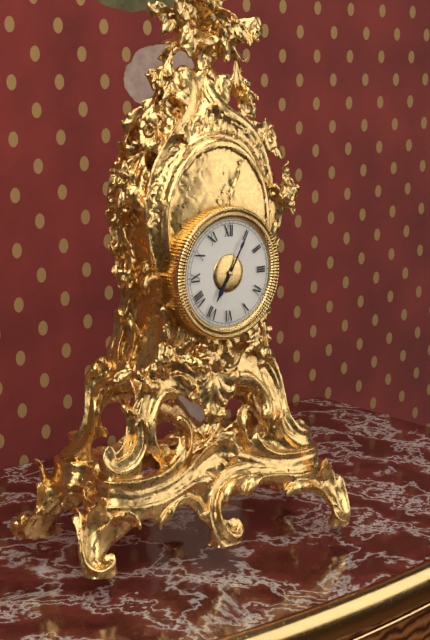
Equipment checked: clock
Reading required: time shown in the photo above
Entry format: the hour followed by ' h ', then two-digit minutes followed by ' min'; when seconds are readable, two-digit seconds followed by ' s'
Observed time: 7 h 05 min
